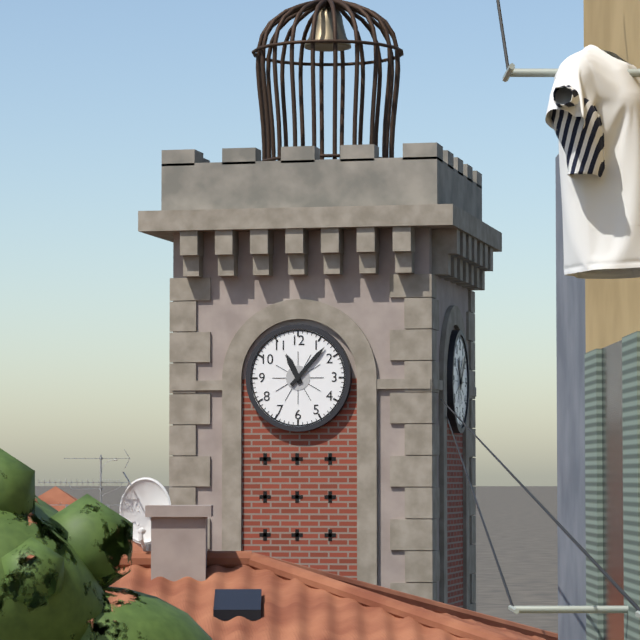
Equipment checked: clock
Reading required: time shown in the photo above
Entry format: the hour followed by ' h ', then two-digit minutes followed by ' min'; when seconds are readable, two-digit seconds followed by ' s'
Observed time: 11 h 07 min
